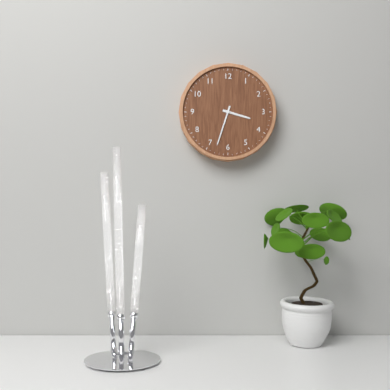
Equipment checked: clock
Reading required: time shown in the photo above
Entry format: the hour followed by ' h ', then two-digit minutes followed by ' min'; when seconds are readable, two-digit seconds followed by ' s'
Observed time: 3 h 33 min
